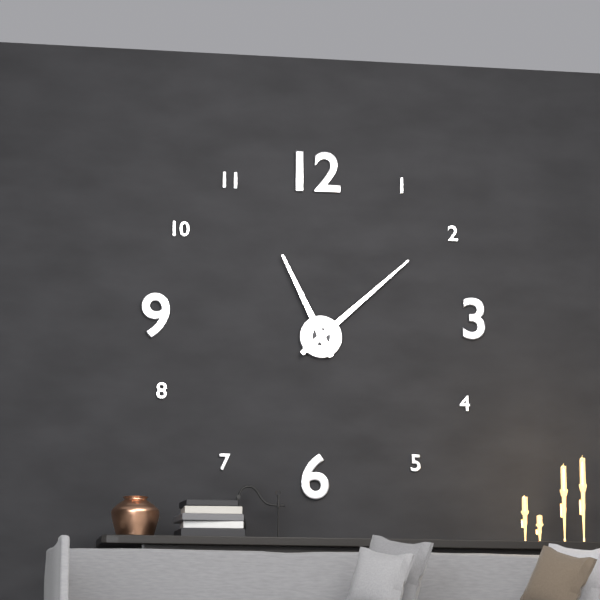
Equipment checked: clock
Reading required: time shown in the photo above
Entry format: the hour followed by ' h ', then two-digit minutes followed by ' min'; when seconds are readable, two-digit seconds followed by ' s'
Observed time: 11 h 08 min
